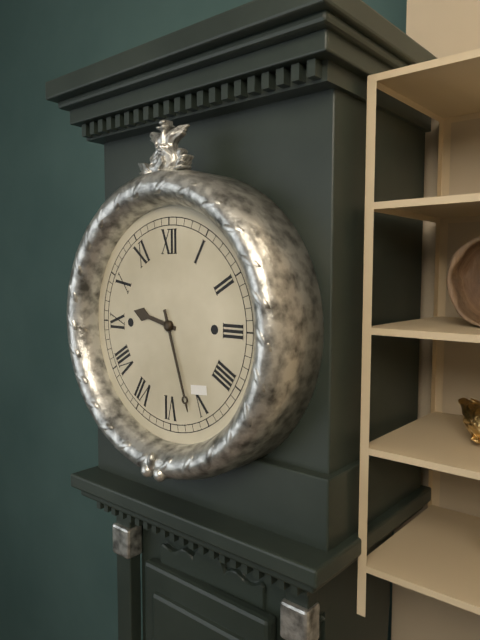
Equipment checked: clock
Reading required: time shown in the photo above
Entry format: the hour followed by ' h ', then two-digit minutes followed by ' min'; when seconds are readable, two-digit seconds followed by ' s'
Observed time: 9 h 27 min
